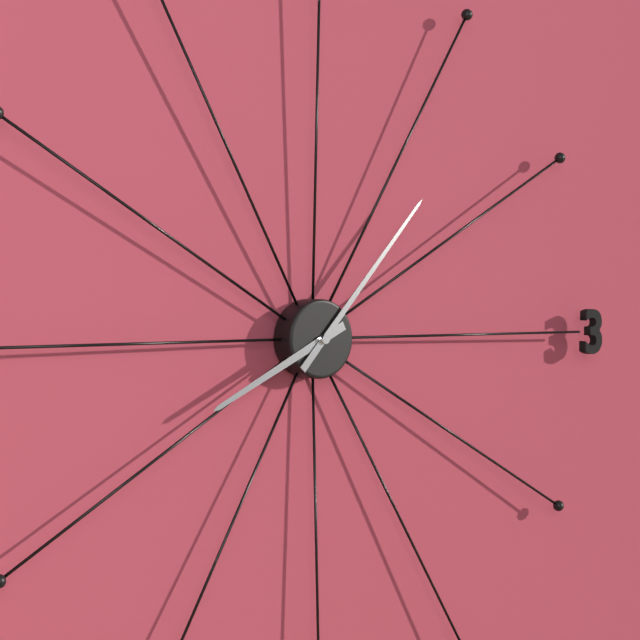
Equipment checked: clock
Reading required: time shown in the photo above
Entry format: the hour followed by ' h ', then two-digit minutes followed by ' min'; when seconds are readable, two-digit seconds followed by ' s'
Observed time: 8 h 07 min
